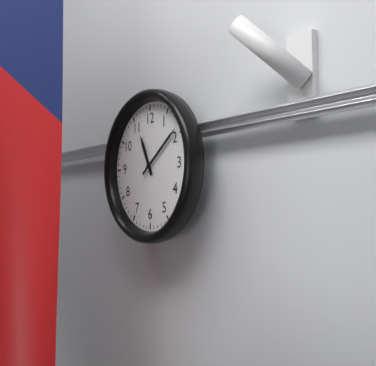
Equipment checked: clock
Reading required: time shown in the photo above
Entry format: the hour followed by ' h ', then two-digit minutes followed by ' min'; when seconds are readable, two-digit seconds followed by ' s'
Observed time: 11 h 09 min
